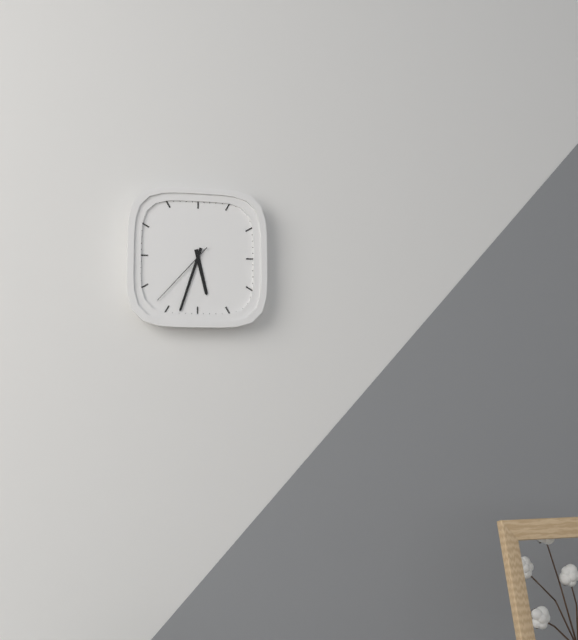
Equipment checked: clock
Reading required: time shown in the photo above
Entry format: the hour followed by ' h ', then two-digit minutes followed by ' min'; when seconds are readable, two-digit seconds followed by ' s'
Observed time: 5 h 33 min 37 s
